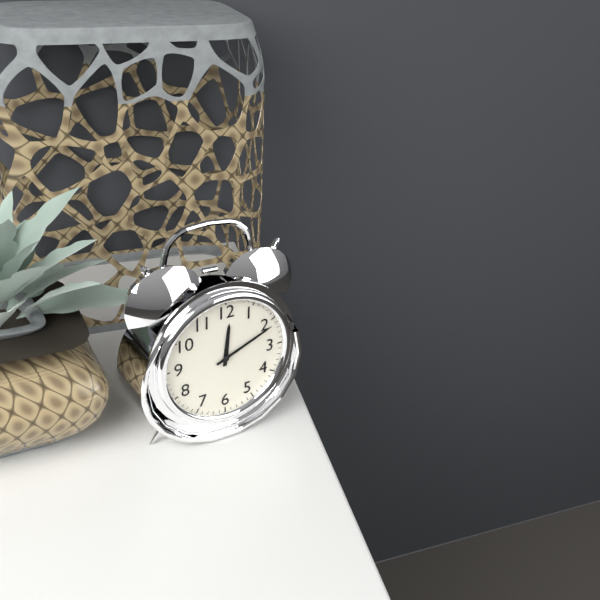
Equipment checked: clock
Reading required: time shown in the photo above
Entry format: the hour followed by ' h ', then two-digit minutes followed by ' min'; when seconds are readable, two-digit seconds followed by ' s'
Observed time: 12 h 11 min
